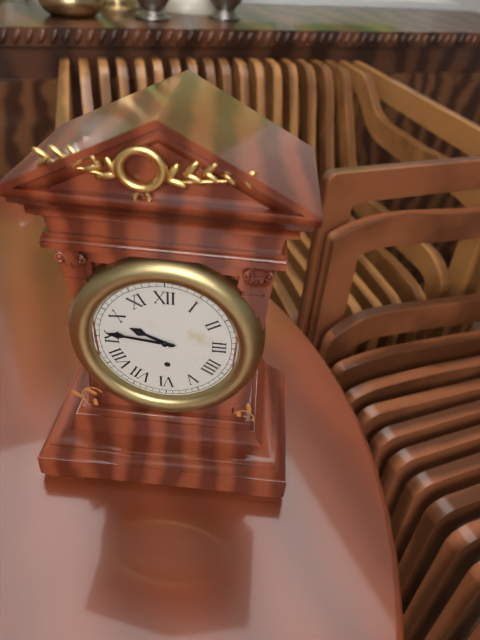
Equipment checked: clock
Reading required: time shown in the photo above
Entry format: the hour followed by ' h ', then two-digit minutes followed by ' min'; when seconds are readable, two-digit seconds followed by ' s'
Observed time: 9 h 46 min
